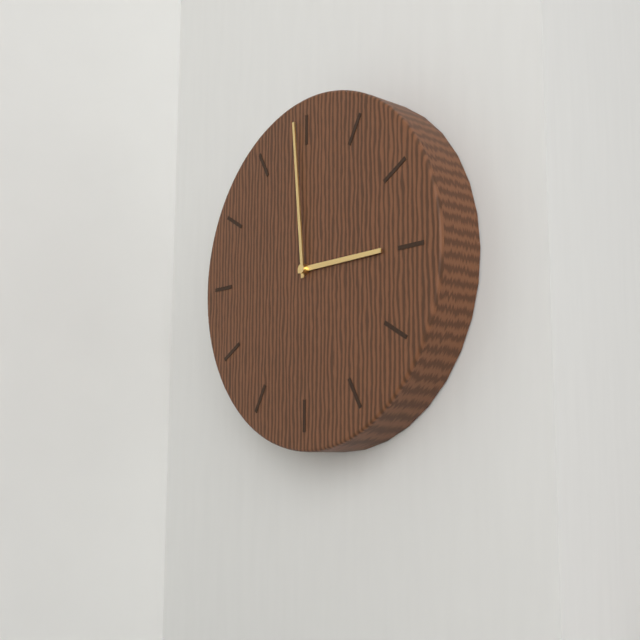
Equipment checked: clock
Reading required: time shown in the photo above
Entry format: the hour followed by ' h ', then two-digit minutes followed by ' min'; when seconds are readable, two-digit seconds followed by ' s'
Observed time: 2 h 59 min
